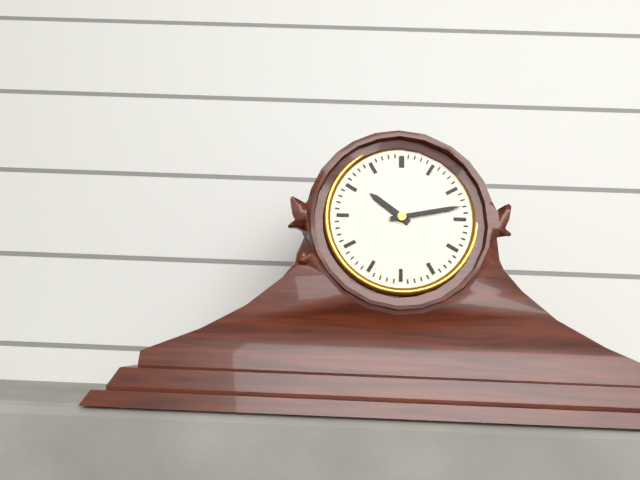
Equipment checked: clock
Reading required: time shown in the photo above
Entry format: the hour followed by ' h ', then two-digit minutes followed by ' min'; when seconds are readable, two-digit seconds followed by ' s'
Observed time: 10 h 13 min
